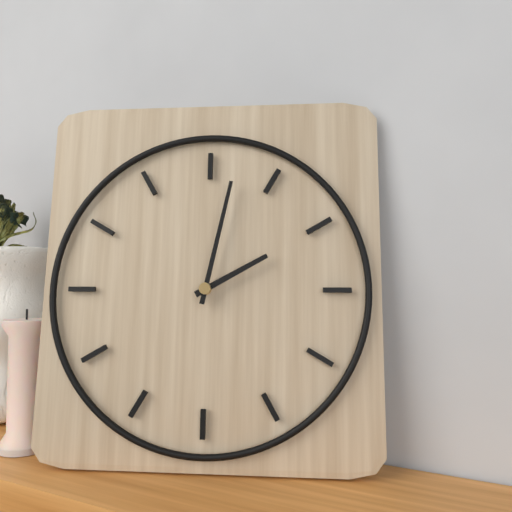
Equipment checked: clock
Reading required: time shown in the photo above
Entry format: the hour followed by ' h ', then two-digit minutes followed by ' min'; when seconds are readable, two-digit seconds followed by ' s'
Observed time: 2 h 02 min
